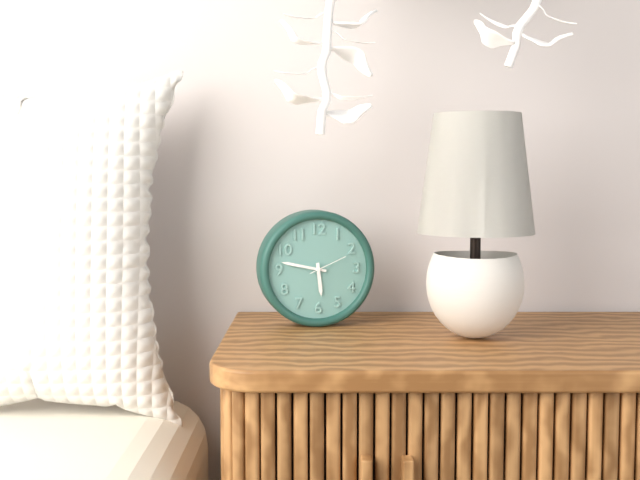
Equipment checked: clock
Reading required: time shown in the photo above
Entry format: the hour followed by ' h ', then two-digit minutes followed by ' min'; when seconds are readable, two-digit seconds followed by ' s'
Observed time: 5 h 47 min
